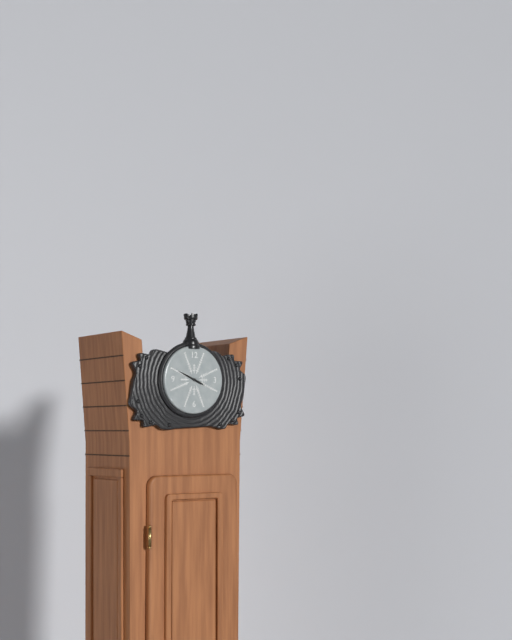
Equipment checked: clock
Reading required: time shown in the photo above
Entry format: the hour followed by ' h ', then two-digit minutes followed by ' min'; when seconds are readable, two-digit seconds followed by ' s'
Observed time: 3 h 49 min
